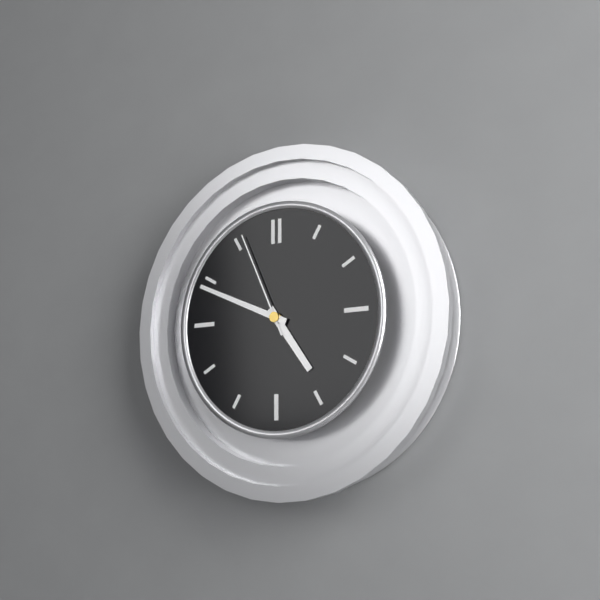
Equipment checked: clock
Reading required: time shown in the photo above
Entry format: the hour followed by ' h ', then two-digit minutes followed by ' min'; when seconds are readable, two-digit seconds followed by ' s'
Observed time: 4 h 49 min 56 s
